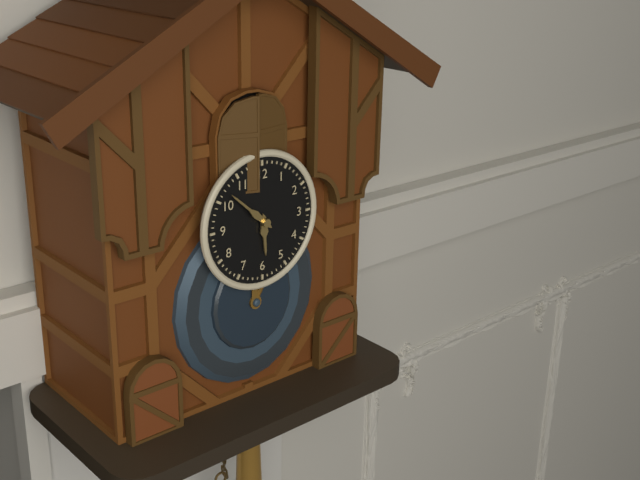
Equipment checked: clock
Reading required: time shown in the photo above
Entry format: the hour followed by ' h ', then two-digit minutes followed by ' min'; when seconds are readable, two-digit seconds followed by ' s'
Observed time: 5 h 52 min
